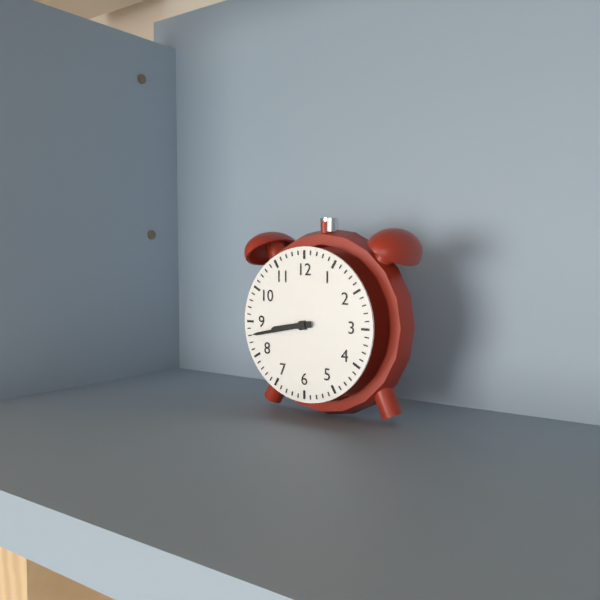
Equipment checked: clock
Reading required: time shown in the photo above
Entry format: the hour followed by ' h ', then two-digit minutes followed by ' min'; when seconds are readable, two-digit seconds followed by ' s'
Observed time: 8 h 43 min
